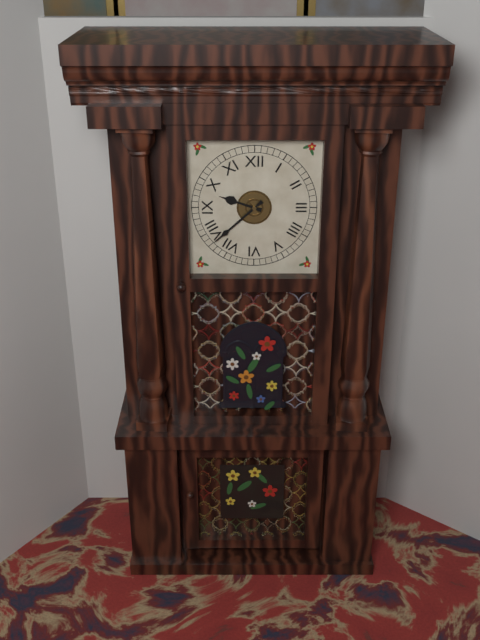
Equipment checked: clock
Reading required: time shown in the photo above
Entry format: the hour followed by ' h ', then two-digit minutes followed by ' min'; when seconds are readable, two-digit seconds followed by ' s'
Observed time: 9 h 38 min
